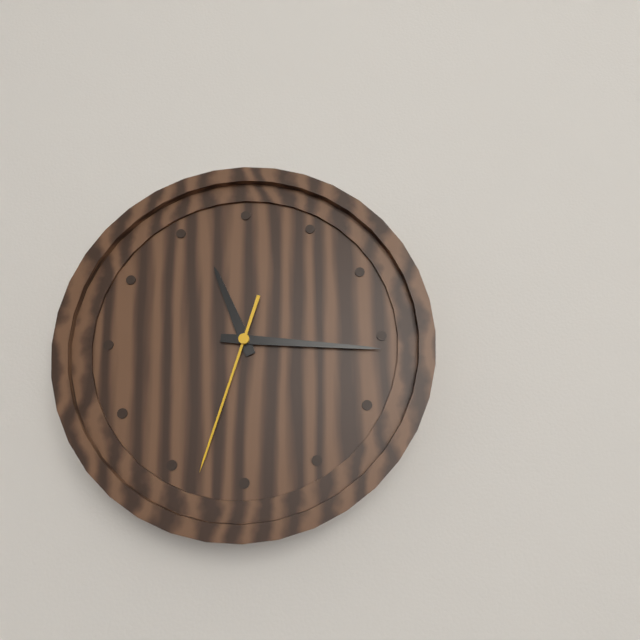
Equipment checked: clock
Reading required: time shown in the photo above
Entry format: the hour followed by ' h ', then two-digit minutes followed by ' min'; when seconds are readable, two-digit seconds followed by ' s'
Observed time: 11 h 16 min 33 s
